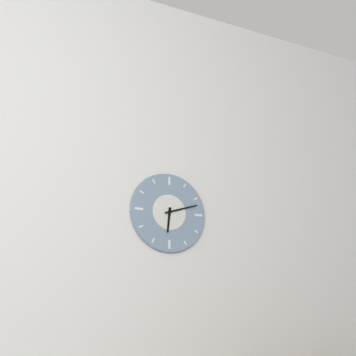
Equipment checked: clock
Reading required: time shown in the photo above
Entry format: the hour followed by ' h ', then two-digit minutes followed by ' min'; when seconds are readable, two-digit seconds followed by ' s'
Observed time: 6 h 12 min
